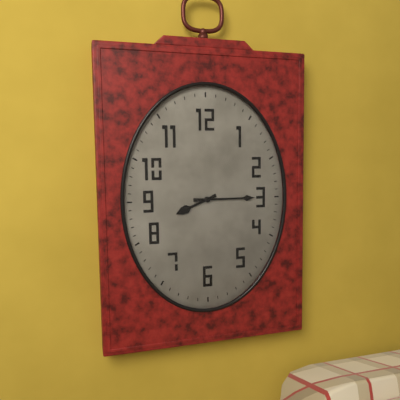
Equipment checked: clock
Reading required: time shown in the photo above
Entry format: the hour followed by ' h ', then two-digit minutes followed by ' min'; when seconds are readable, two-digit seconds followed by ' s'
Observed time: 8 h 15 min
